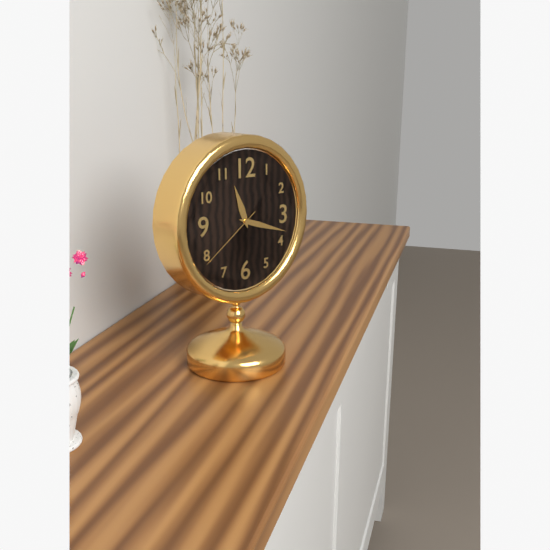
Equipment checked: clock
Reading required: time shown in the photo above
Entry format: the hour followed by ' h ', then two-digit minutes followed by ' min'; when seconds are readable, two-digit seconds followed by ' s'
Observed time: 11 h 18 min 39 s
